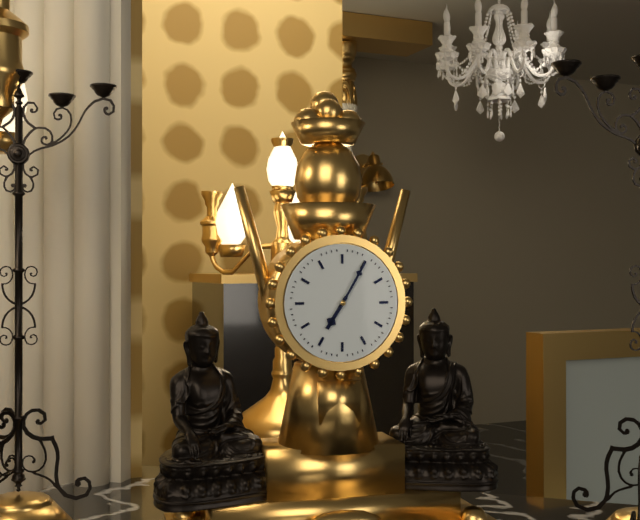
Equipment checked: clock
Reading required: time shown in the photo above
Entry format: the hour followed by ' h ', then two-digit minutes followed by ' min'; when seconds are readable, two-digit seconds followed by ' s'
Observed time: 7 h 05 min
